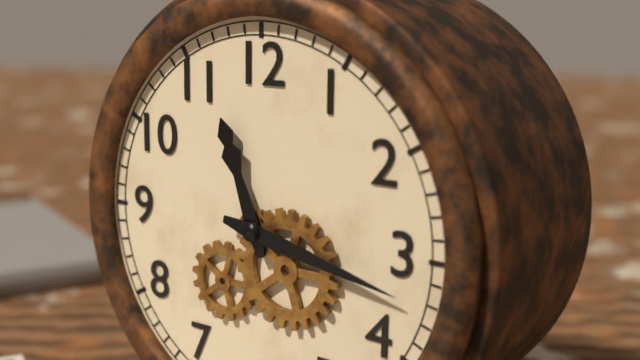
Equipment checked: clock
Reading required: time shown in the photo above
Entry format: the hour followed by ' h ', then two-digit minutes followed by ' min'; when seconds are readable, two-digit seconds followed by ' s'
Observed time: 11 h 17 min
